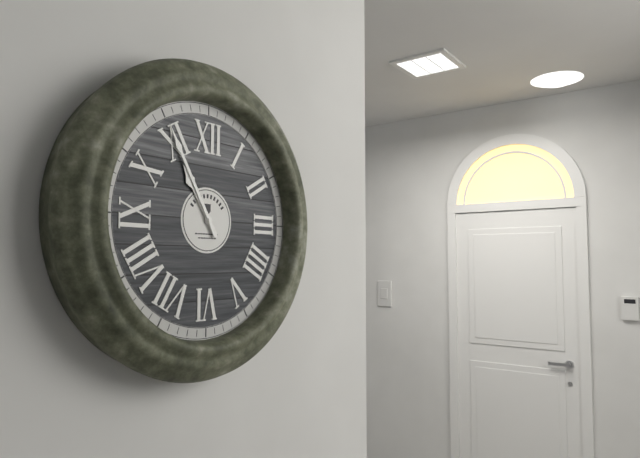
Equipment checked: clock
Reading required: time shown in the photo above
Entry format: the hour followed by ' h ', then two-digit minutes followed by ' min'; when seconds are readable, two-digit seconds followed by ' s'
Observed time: 10 h 55 min
